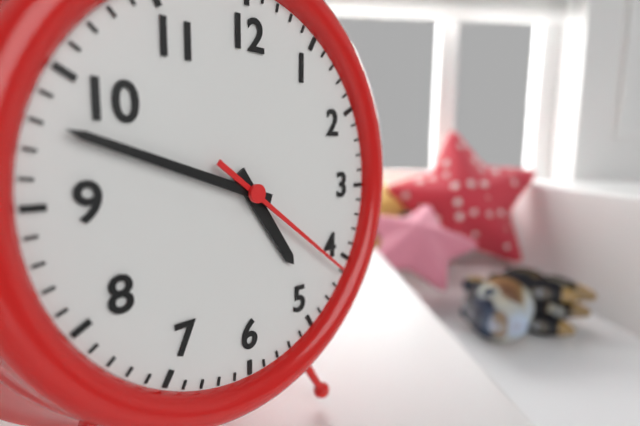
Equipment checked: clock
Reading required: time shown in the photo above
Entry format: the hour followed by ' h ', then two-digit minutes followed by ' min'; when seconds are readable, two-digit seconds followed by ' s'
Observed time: 4 h 48 min 21 s
